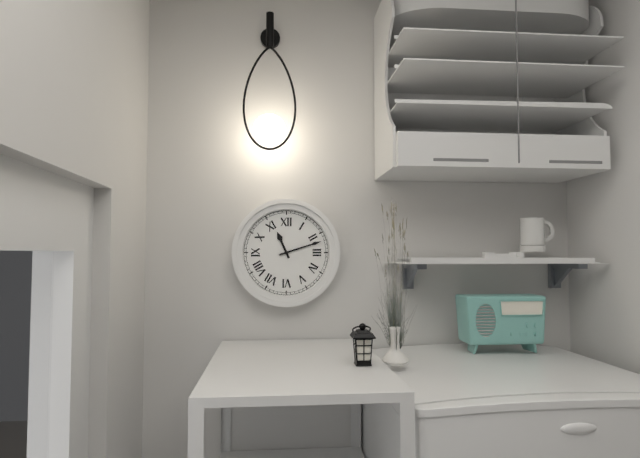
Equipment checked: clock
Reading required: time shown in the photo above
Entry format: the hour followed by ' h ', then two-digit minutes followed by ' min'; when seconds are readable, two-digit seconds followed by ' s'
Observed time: 11 h 12 min
